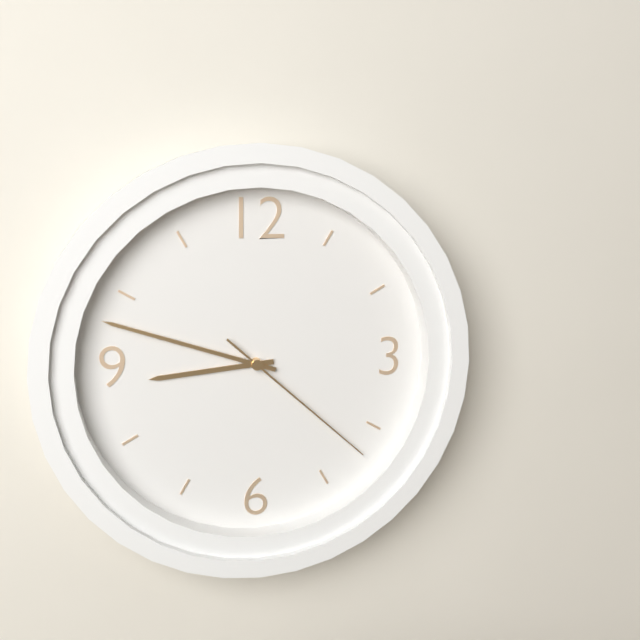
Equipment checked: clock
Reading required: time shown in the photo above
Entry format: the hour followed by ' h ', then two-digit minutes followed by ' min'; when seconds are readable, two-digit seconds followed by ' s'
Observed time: 8 h 48 min 22 s
